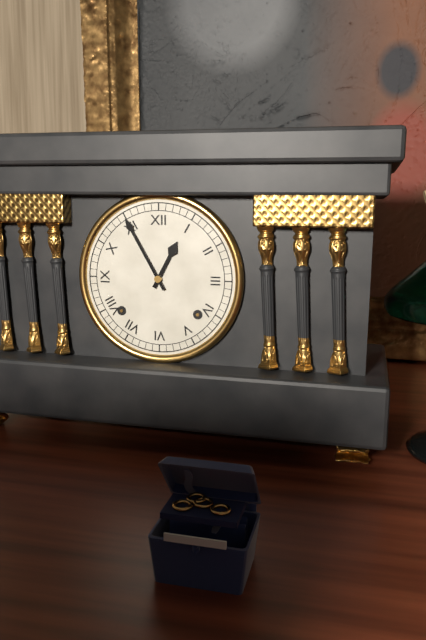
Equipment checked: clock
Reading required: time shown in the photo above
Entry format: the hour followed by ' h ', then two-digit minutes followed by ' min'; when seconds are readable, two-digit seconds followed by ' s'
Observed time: 12 h 55 min
